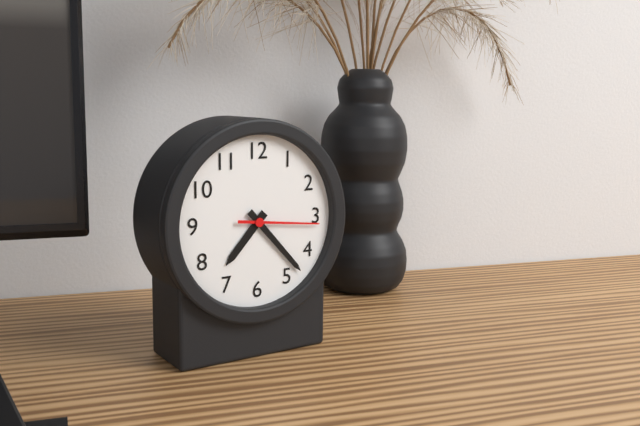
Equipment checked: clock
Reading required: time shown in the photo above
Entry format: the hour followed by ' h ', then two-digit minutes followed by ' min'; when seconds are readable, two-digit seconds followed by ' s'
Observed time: 7 h 23 min 16 s
